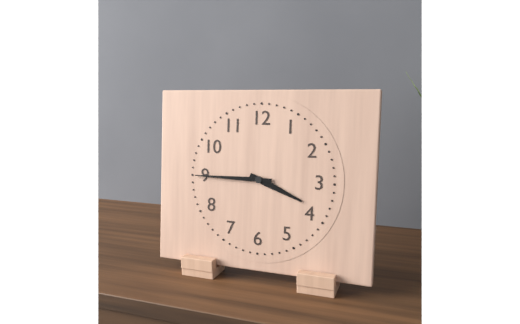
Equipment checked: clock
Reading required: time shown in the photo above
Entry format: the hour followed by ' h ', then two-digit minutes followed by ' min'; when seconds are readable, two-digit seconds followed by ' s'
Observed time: 3 h 45 min
